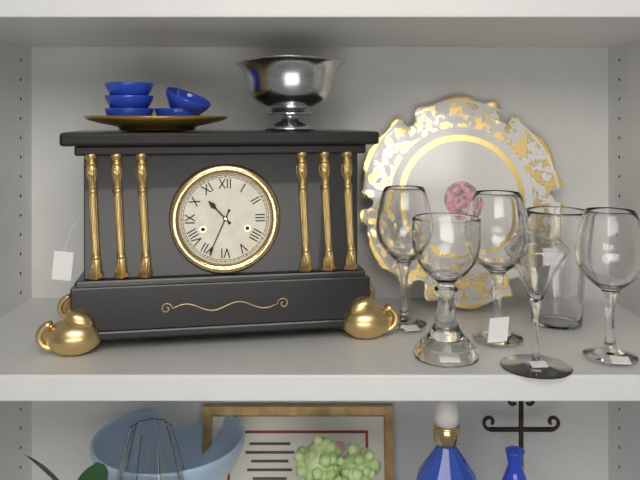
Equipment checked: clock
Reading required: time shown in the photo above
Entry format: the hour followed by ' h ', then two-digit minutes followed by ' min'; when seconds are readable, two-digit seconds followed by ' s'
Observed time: 10 h 34 min
